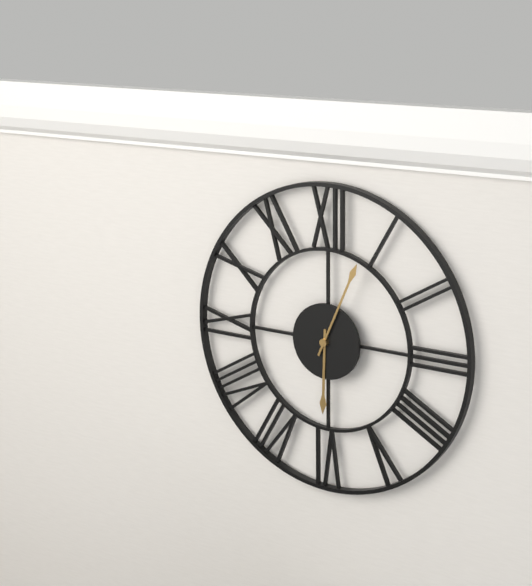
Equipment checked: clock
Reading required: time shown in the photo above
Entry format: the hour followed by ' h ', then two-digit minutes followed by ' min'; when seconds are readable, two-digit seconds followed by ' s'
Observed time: 6 h 04 min
